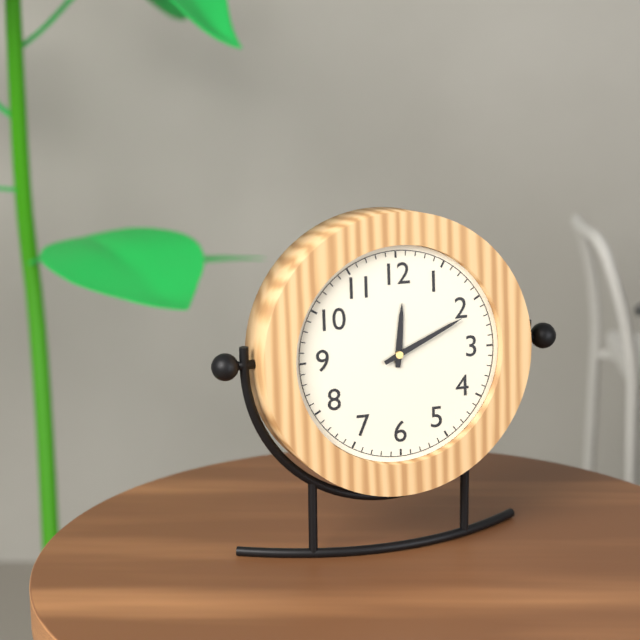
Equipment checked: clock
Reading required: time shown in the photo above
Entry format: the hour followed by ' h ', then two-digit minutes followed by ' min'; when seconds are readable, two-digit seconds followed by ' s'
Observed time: 12 h 11 min
